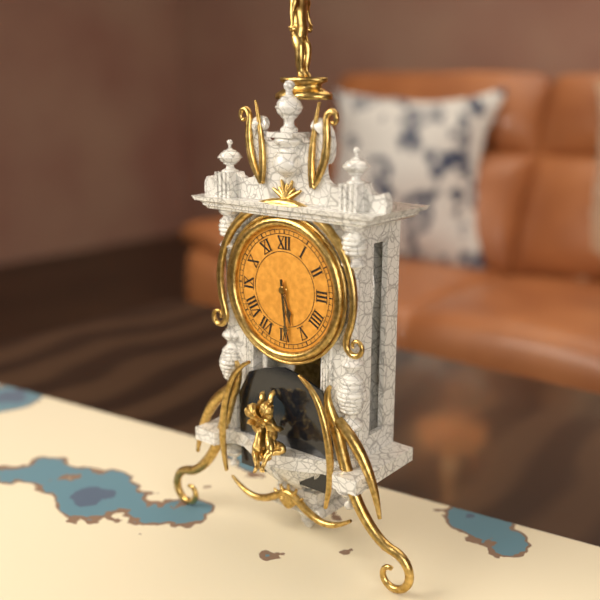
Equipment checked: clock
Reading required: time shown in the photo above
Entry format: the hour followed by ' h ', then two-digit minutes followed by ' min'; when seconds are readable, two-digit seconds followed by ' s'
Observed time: 5 h 29 min
